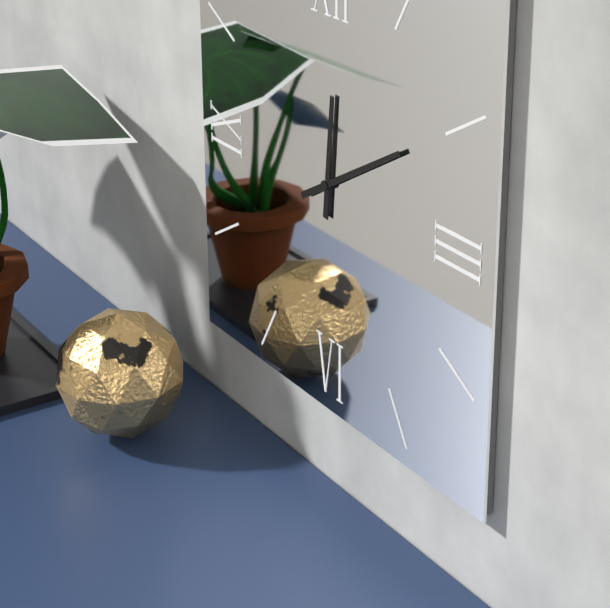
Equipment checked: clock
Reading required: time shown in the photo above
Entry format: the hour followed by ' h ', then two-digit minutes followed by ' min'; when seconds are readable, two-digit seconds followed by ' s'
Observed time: 12 h 10 min
